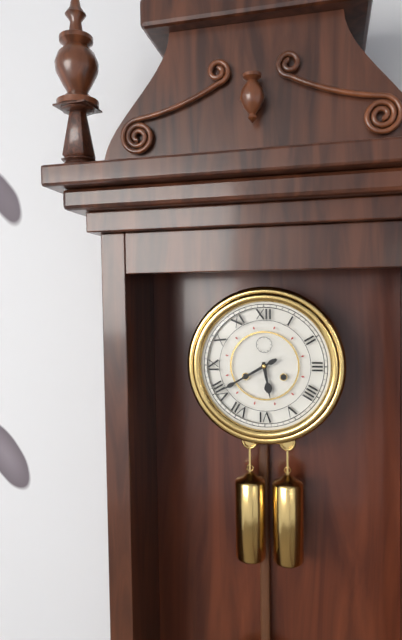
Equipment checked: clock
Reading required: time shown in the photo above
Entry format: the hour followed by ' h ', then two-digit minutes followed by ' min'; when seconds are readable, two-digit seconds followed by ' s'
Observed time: 5 h 40 min
